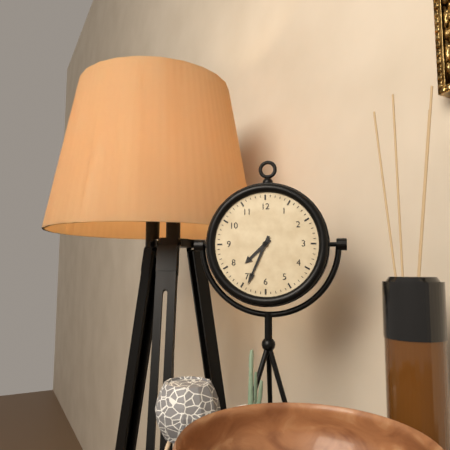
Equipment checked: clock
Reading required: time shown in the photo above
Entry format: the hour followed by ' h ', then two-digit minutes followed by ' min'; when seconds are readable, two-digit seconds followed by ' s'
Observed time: 7 h 34 min
